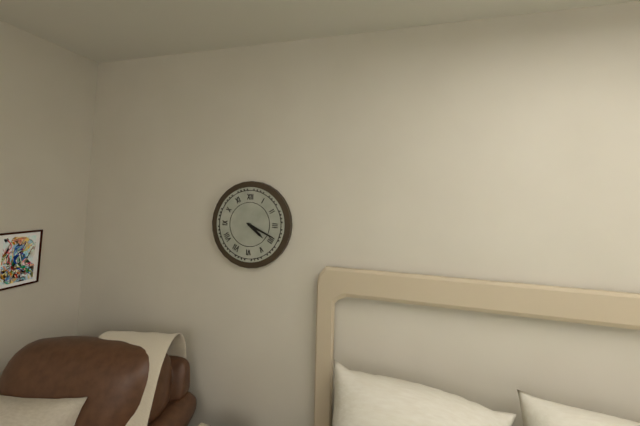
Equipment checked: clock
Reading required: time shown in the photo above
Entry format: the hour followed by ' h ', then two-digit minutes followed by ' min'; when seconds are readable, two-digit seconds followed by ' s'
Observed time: 4 h 19 min
